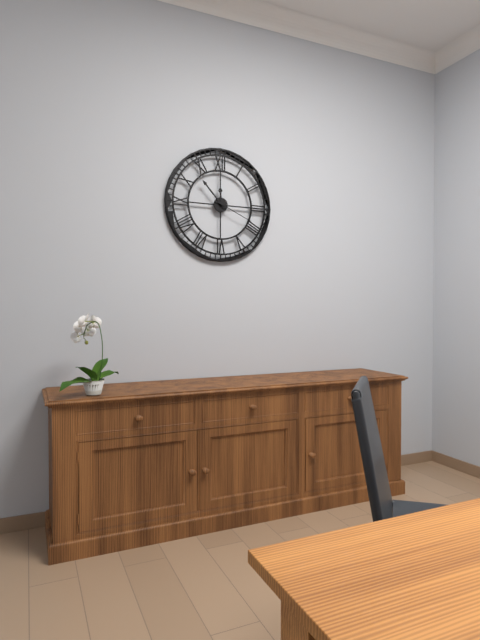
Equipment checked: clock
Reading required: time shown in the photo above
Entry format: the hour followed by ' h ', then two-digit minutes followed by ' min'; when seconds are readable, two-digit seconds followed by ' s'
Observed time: 11 h 53 min
